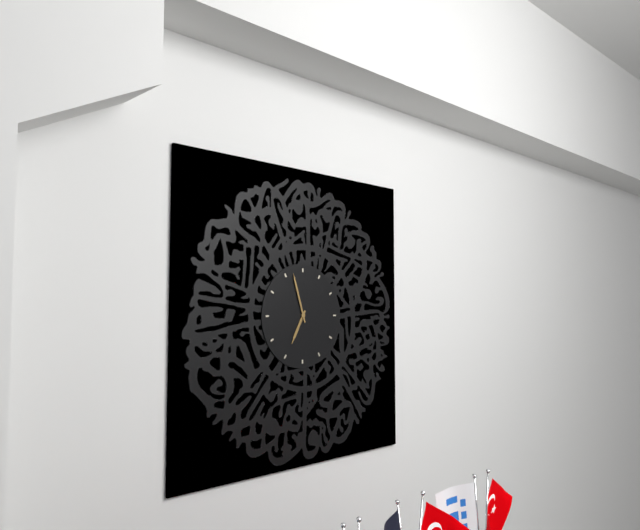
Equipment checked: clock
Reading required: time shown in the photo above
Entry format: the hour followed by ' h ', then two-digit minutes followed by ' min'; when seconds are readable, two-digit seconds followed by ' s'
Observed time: 6 h 57 min
